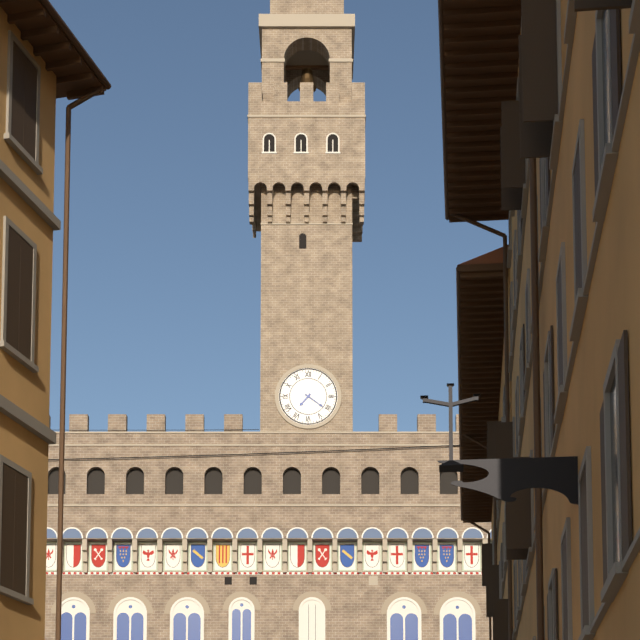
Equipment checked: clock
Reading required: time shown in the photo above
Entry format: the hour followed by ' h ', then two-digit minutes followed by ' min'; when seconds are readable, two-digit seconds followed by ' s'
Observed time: 7 h 21 min
